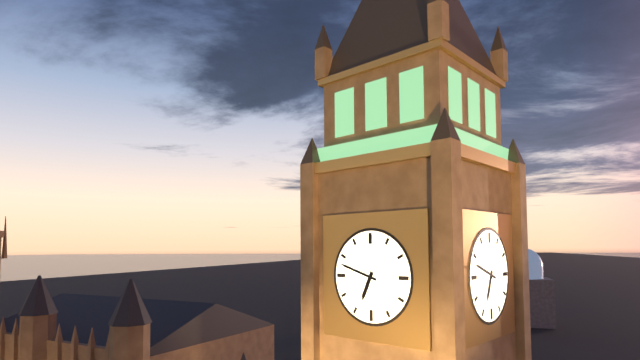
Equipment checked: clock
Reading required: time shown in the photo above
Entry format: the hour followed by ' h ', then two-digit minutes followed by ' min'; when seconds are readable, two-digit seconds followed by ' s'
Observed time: 6 h 48 min
